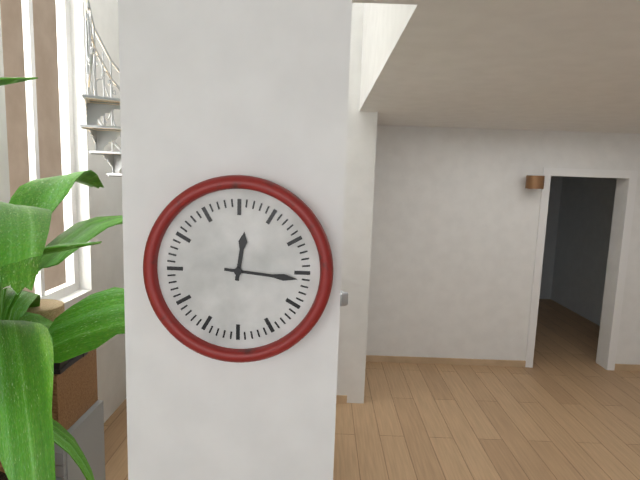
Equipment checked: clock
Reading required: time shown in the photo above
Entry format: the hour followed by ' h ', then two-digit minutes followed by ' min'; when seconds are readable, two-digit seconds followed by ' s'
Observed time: 12 h 16 min
